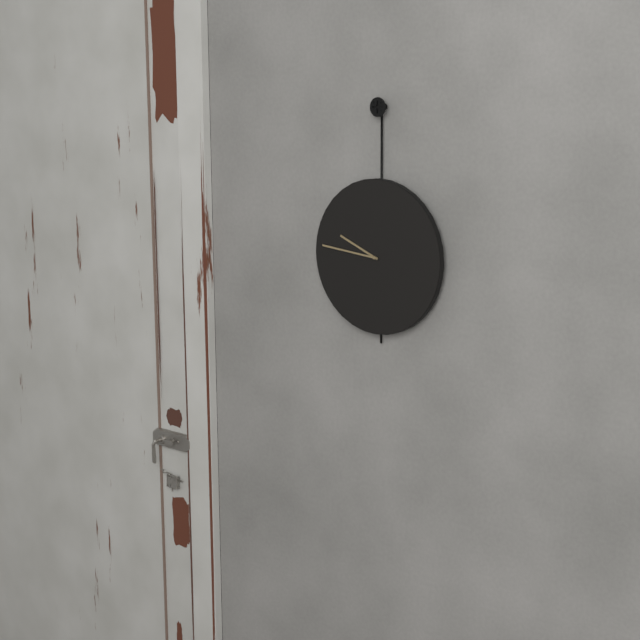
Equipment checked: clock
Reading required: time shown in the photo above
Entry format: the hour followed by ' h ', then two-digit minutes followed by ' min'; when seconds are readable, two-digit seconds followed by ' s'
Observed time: 9 h 46 min
